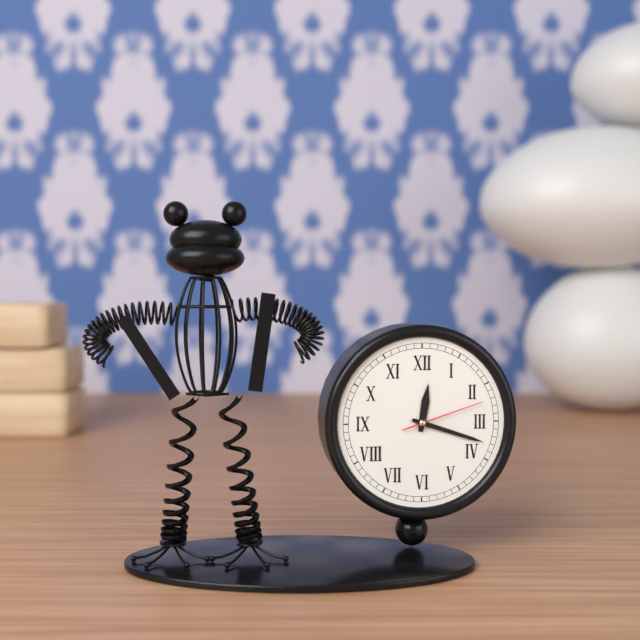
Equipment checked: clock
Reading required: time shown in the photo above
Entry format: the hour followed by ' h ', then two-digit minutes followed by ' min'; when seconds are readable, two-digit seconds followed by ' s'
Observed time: 12 h 18 min 12 s
